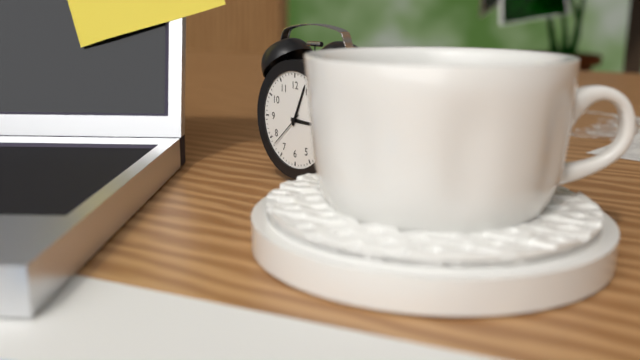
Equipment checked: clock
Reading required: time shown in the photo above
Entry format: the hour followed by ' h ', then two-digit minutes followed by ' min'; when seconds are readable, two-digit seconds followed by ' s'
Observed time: 3 h 04 min
